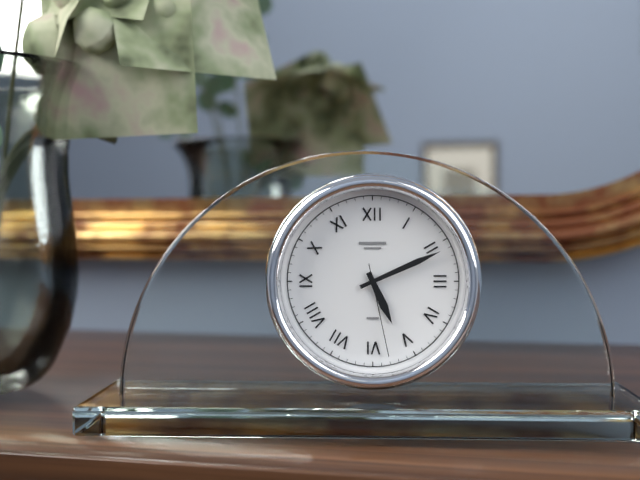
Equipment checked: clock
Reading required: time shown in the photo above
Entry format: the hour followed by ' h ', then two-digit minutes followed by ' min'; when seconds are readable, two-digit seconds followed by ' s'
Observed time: 5 h 11 min 28 s
